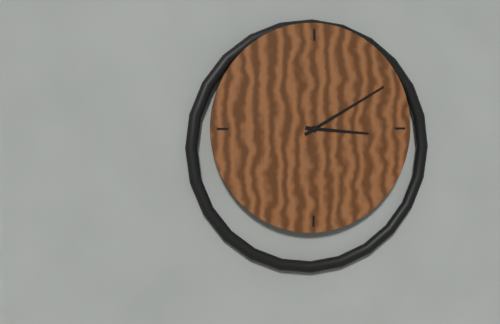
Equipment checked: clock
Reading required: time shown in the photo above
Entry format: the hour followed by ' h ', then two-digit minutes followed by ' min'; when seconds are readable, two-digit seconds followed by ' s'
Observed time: 3 h 10 min
